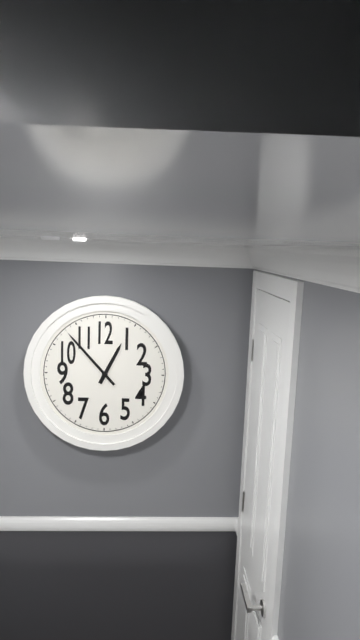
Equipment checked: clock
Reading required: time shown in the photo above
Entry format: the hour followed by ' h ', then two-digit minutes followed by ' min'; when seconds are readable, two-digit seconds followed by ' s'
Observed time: 12 h 53 min
